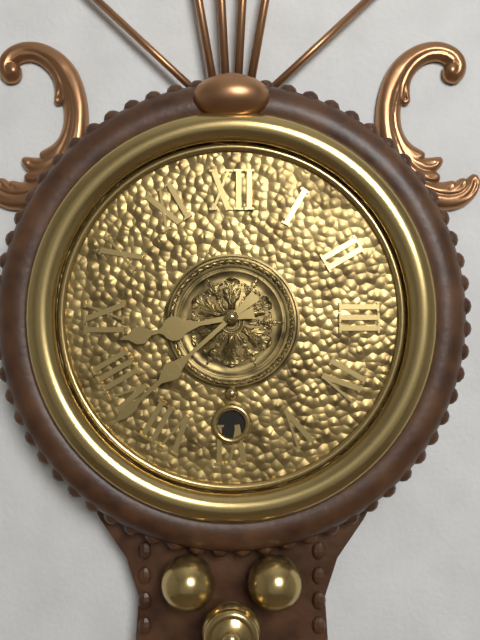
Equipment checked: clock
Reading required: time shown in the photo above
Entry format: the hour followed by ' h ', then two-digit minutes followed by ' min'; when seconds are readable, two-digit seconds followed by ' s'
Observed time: 8 h 38 min
